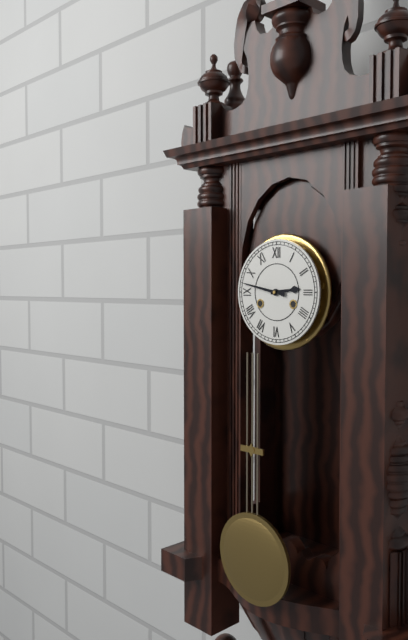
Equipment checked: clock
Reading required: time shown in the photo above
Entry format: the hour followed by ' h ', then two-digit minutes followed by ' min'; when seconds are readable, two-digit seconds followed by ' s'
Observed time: 2 h 47 min
